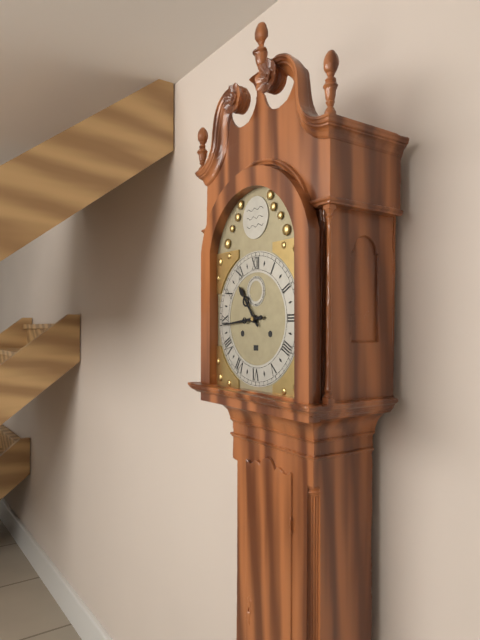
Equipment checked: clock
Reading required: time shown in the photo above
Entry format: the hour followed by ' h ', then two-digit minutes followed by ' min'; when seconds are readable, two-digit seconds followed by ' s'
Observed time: 10 h 44 min
